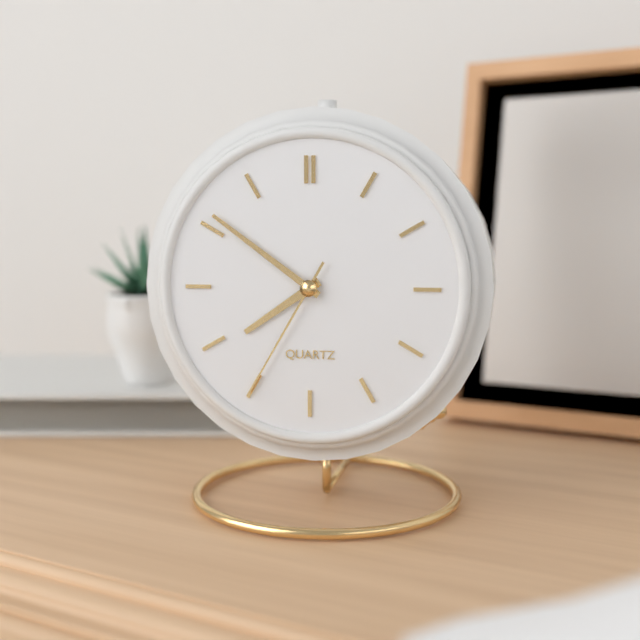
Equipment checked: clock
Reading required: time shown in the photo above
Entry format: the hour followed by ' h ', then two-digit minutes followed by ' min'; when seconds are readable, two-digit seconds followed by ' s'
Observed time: 7 h 51 min 35 s
